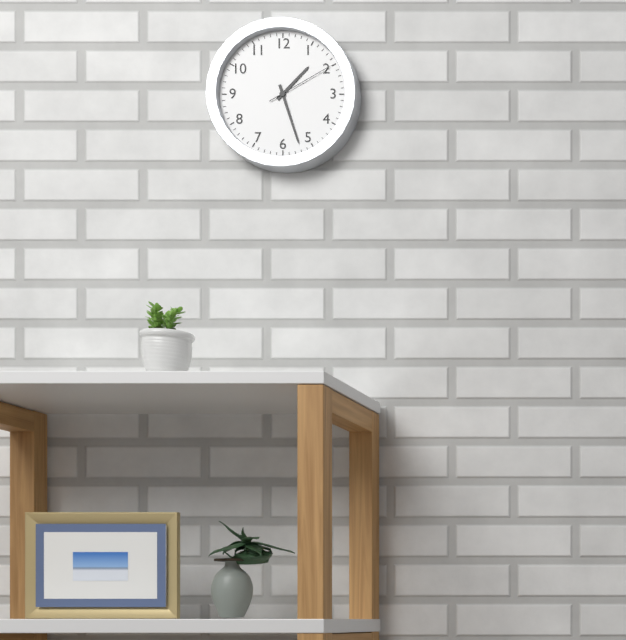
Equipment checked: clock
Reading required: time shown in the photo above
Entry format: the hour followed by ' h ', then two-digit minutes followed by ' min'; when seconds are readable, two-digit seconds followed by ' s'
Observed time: 1 h 27 min 10 s
